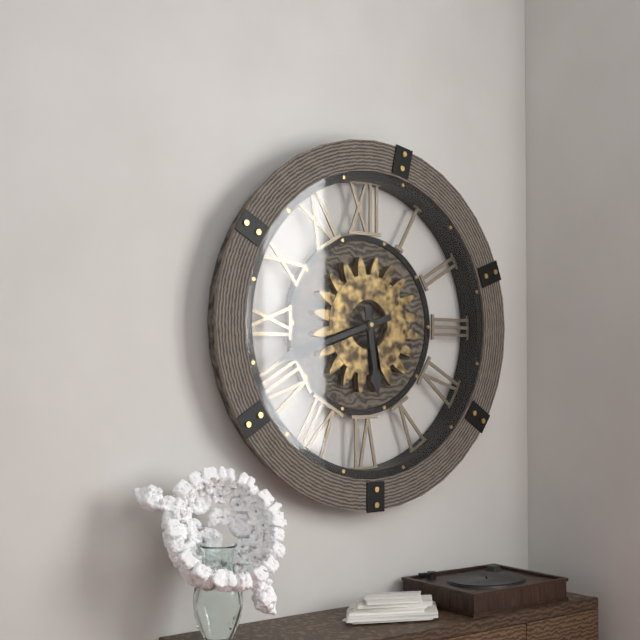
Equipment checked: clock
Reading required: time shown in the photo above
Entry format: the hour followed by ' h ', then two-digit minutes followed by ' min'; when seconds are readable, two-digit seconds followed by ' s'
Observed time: 5 h 42 min
